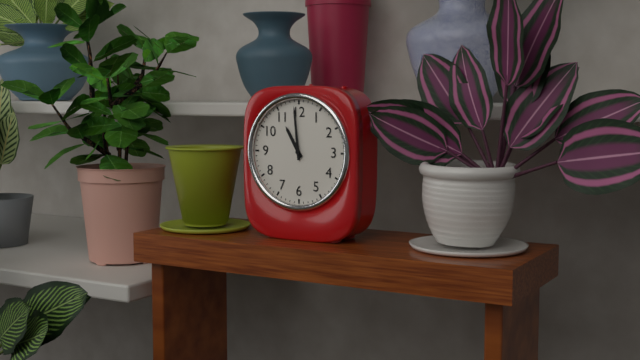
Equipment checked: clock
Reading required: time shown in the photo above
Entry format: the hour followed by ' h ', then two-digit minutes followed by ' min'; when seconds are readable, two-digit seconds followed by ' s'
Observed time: 10 h 59 min
